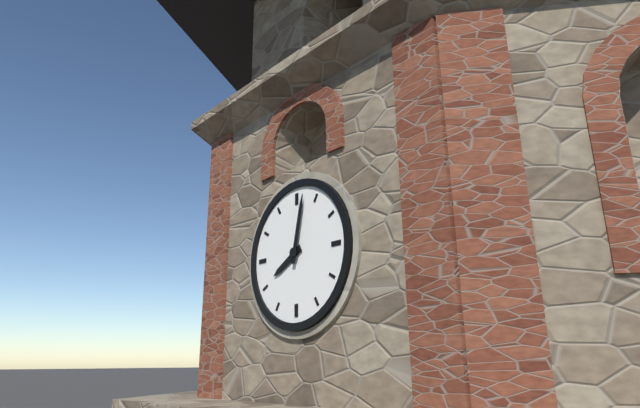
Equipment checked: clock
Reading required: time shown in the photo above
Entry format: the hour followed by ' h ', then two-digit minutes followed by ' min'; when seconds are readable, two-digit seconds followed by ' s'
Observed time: 8 h 02 min
